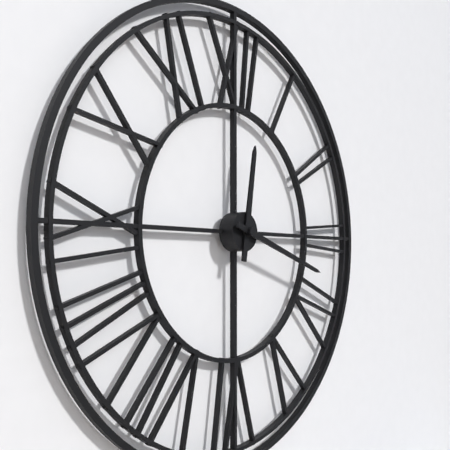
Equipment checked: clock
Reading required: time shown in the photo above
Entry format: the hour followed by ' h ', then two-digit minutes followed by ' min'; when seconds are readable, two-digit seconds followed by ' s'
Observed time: 12 h 18 min
